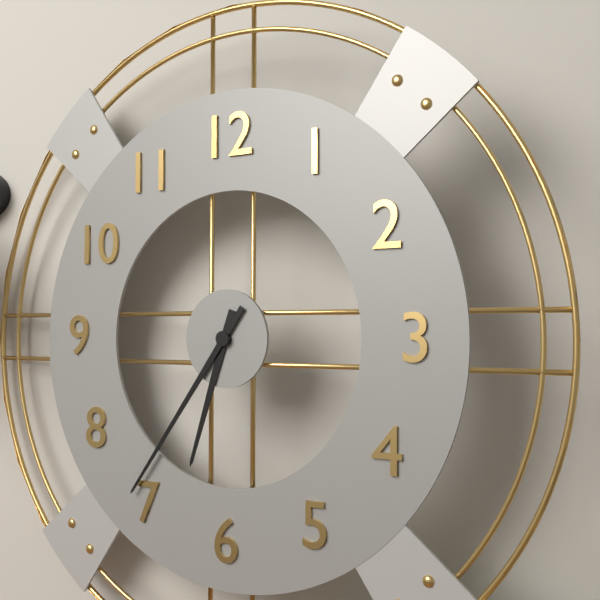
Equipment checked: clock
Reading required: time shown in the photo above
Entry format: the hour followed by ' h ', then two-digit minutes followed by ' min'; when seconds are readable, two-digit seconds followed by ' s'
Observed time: 6 h 36 min
